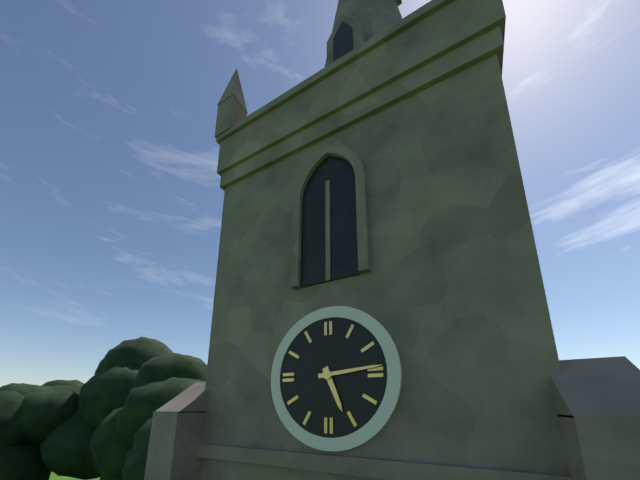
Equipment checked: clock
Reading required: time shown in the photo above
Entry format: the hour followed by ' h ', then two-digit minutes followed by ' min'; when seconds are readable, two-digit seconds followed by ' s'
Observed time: 5 h 14 min
